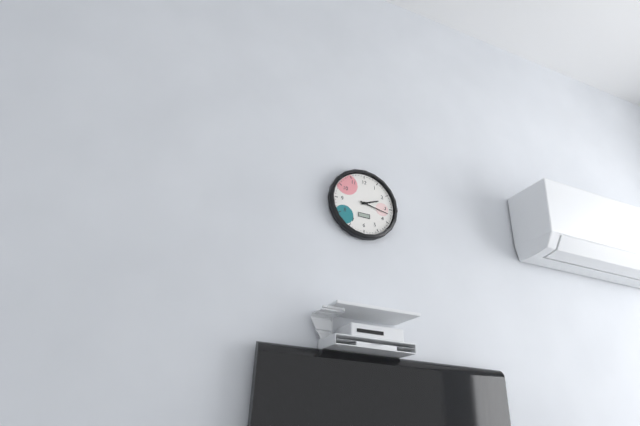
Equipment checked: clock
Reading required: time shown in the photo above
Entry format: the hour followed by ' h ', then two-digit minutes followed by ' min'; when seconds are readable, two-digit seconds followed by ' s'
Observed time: 2 h 17 min
